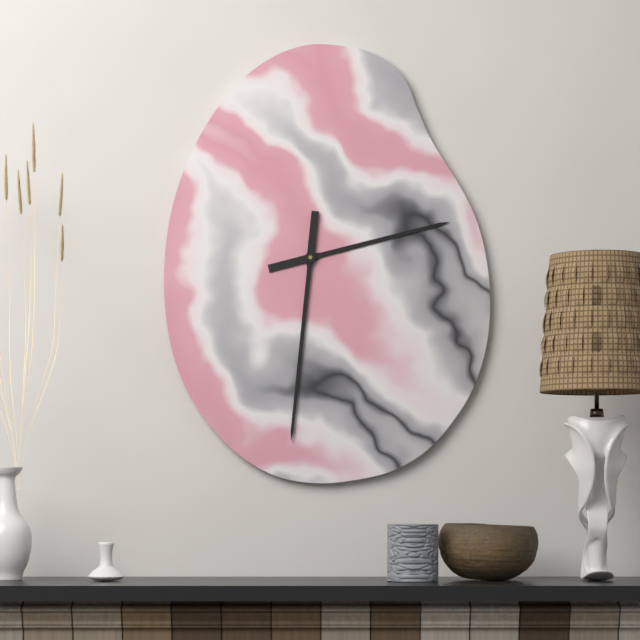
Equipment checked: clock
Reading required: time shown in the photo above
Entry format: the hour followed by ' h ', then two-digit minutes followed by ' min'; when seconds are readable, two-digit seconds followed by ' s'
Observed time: 2 h 31 min
